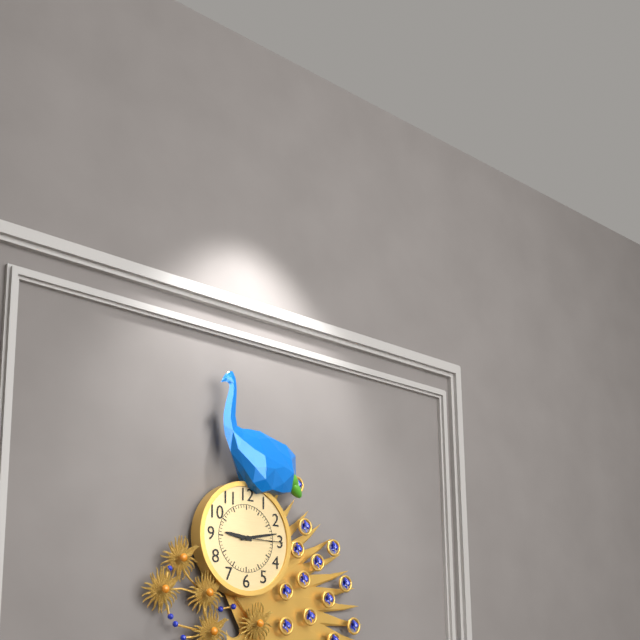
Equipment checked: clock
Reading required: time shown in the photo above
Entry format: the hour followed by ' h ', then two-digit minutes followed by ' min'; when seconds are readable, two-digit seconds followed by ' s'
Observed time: 9 h 13 min
